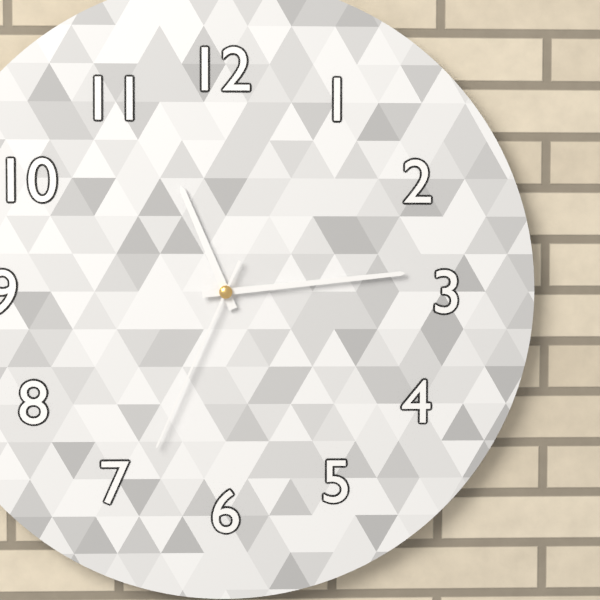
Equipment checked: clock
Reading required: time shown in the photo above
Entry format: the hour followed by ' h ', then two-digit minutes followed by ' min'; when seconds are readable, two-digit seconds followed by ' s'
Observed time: 11 h 14 min 34 s
